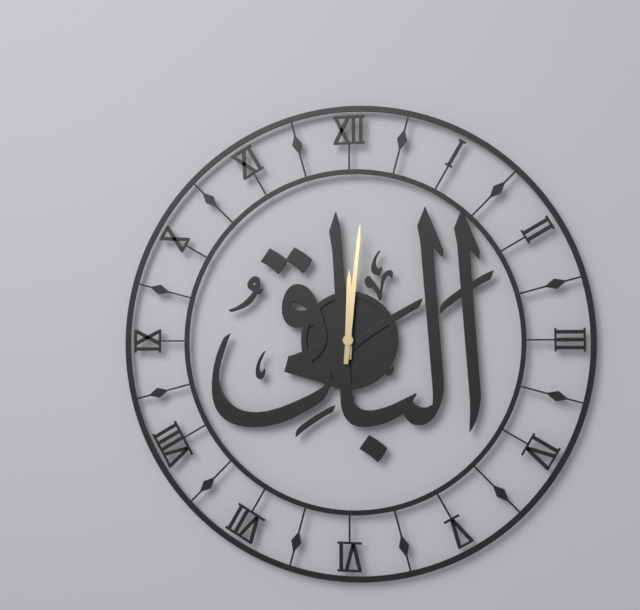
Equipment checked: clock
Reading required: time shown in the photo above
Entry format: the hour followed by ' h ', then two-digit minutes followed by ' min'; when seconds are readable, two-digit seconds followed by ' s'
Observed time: 12 h 01 min
